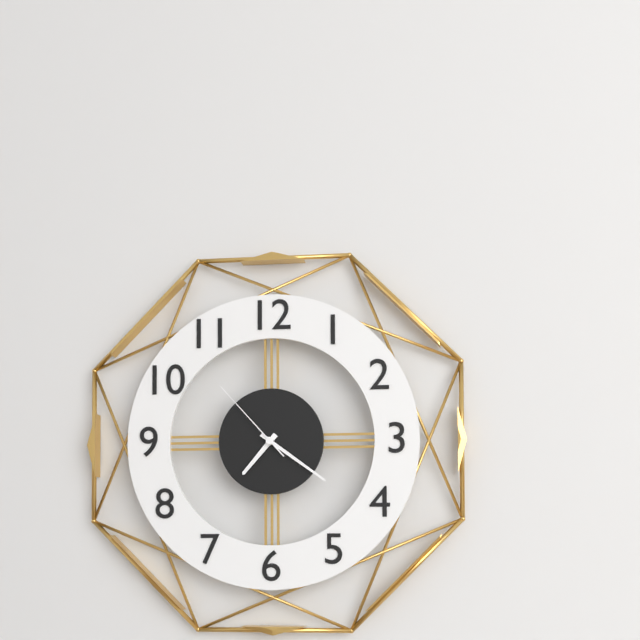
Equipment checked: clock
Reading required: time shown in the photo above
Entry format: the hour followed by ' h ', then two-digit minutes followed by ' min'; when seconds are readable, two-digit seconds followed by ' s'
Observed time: 7 h 21 min 53 s
